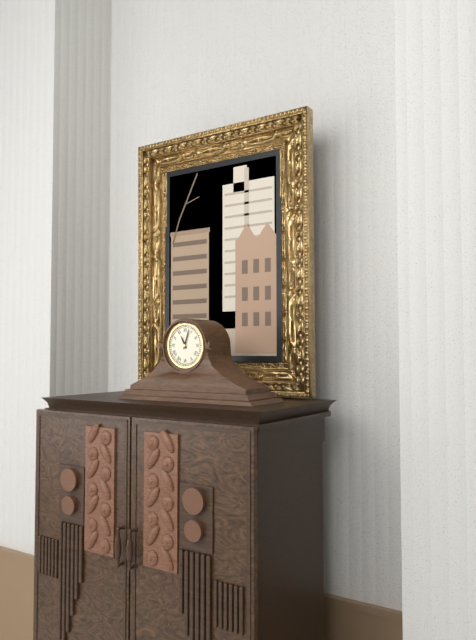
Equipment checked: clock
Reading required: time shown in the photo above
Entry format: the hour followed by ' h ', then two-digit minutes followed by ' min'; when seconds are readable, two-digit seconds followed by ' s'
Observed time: 11 h 03 min
